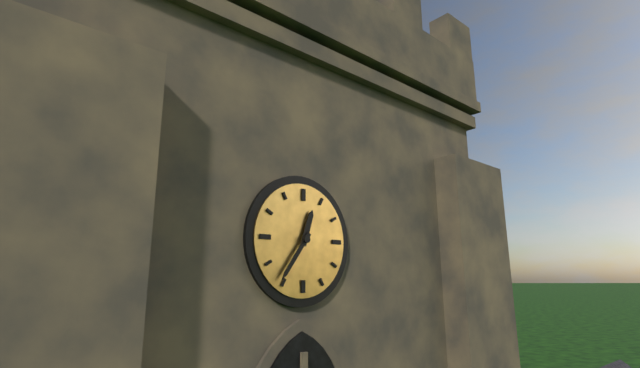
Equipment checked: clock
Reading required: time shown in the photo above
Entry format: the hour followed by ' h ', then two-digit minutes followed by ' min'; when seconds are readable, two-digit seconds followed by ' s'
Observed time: 12 h 36 min
